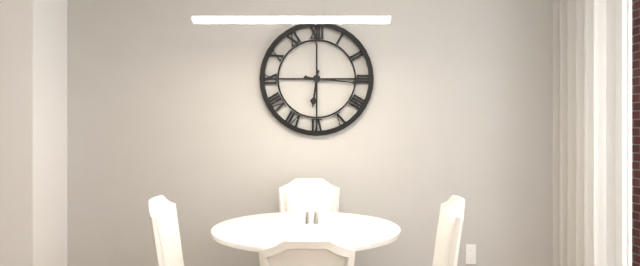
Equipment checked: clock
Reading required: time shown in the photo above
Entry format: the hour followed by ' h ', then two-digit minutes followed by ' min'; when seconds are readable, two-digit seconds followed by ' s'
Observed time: 6 h 16 min
